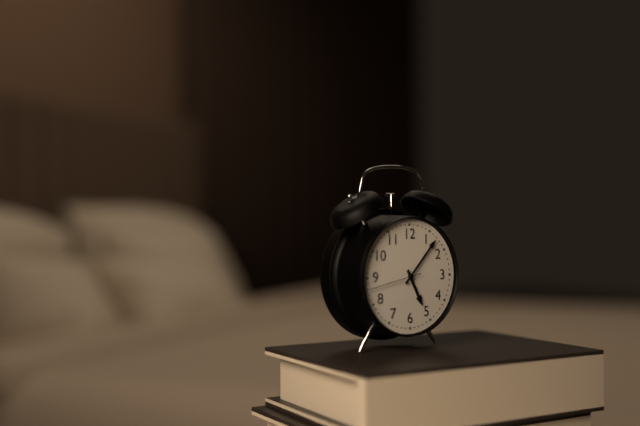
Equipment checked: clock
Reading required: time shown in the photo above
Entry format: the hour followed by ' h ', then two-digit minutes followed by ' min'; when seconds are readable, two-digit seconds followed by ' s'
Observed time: 5 h 07 min
